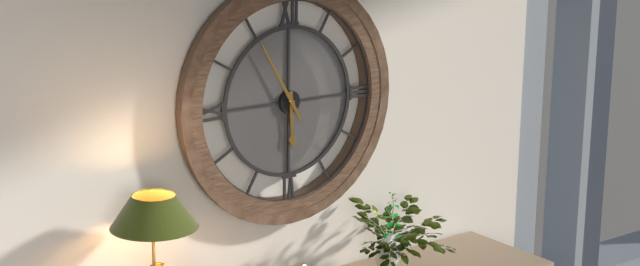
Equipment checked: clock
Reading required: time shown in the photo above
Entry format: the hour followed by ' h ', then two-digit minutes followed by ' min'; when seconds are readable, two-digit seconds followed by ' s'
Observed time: 5 h 55 min
